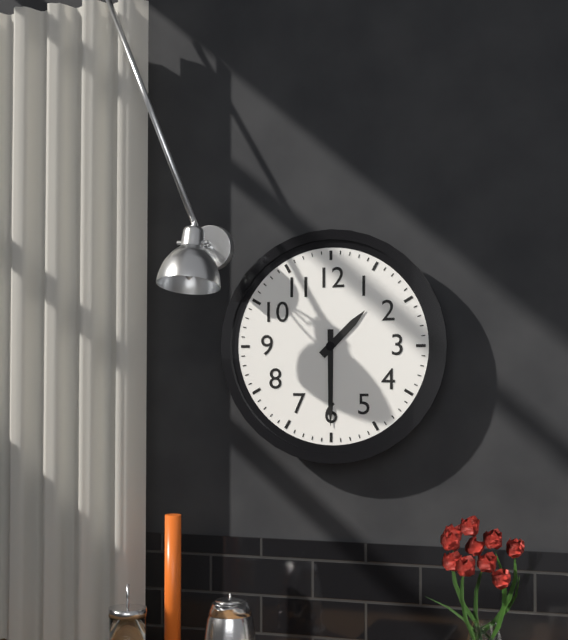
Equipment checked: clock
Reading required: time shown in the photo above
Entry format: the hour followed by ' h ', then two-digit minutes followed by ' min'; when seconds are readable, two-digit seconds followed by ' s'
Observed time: 1 h 30 min
